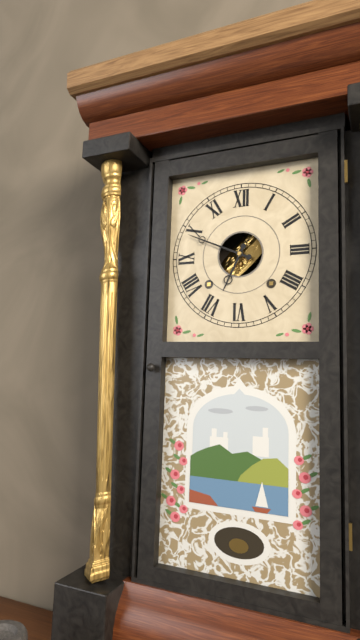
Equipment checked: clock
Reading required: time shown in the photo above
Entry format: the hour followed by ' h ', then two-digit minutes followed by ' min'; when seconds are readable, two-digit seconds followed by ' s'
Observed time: 6 h 49 min
